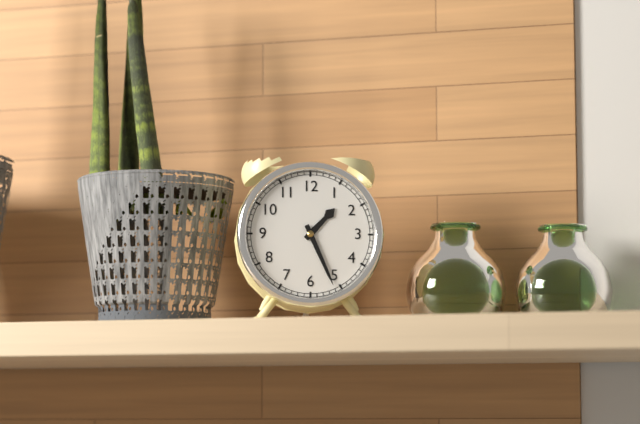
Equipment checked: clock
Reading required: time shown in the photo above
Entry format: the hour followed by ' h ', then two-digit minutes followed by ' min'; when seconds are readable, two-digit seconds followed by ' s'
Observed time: 1 h 26 min
